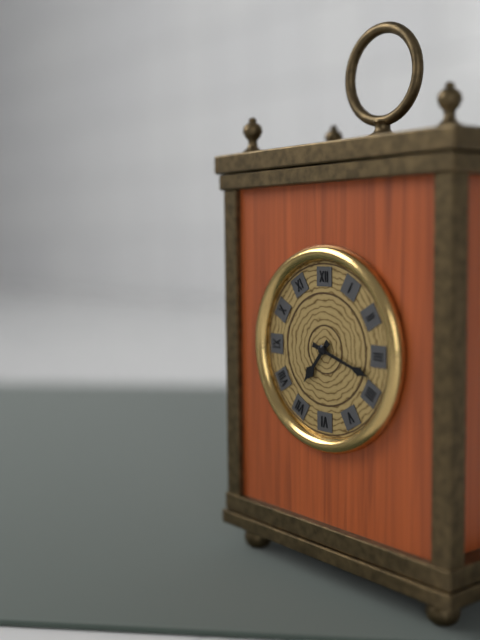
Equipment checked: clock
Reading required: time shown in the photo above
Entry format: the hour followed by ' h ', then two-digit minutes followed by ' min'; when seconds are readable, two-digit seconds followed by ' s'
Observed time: 7 h 18 min
